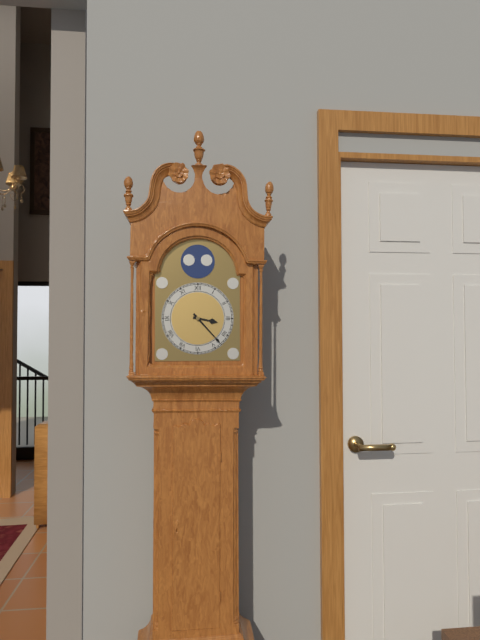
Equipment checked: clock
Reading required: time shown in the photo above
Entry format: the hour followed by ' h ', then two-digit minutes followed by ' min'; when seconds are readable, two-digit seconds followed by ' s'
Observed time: 3 h 23 min
